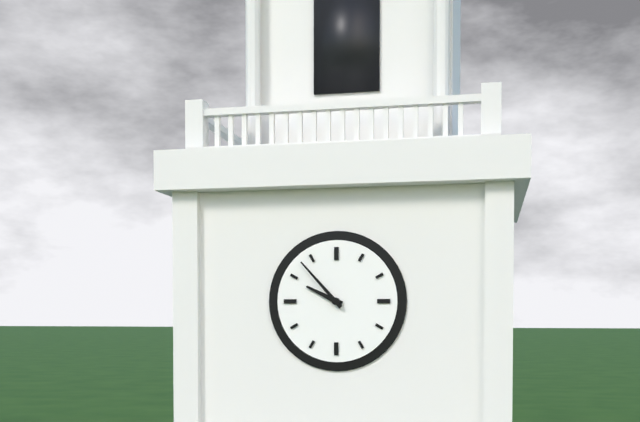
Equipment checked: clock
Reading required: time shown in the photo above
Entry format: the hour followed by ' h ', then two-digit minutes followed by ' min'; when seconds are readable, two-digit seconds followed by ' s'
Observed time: 9 h 53 min
